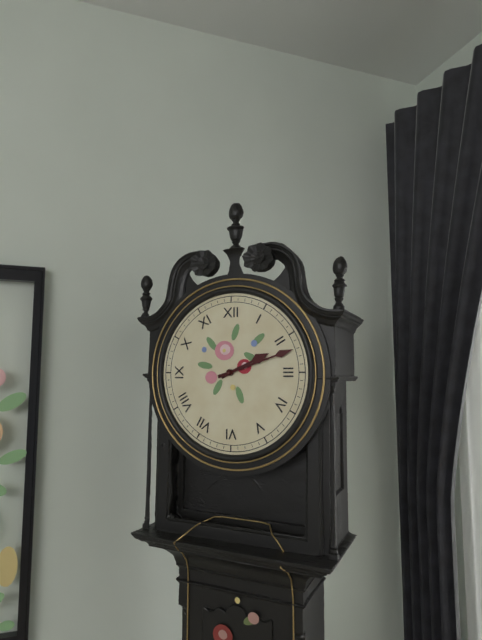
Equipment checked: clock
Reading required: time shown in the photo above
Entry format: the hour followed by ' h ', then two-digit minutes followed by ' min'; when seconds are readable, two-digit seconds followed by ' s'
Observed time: 2 h 12 min
